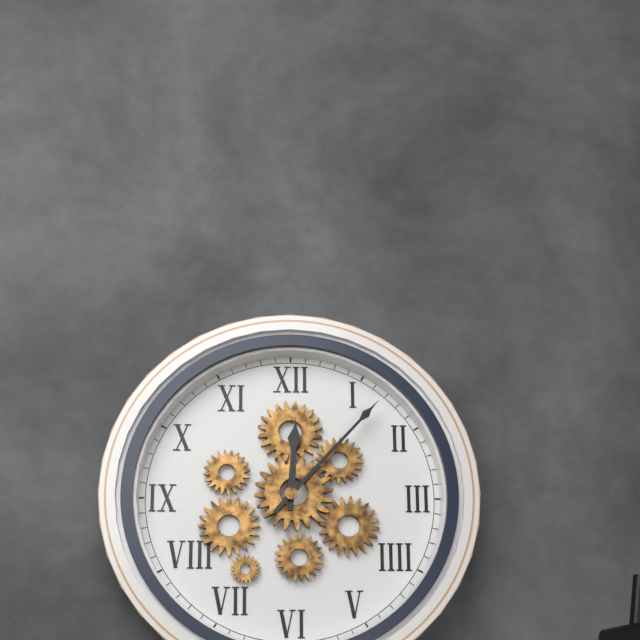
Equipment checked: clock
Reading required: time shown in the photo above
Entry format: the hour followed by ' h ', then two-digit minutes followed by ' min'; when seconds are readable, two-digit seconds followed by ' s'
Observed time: 12 h 07 min
